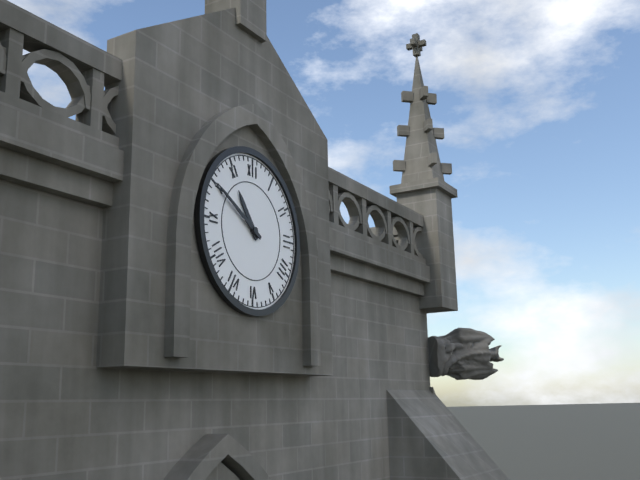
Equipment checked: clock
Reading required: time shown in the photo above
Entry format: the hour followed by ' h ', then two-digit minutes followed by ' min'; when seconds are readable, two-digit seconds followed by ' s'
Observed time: 10 h 50 min
